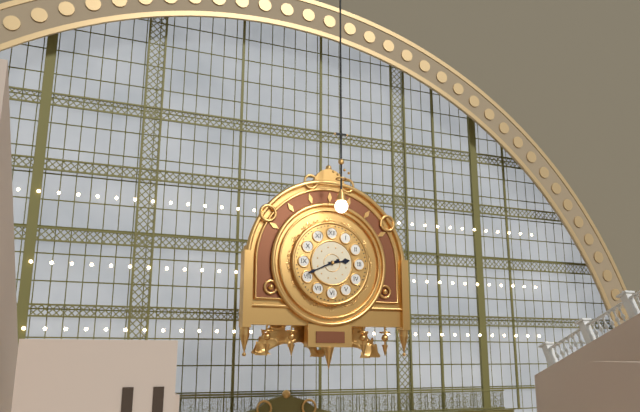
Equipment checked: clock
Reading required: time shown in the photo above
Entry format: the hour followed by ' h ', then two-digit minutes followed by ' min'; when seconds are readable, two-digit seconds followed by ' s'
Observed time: 2 h 41 min
